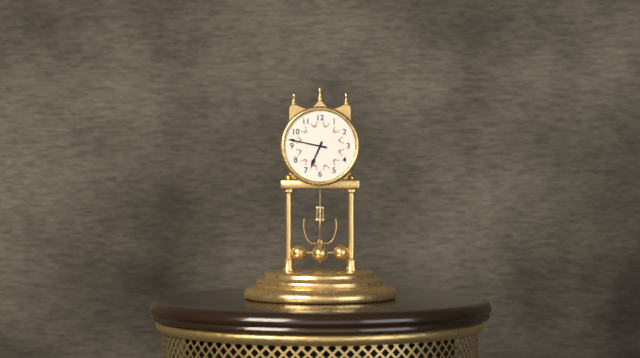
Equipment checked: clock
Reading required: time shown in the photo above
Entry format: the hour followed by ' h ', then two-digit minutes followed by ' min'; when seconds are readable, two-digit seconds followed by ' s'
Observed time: 6 h 47 min
